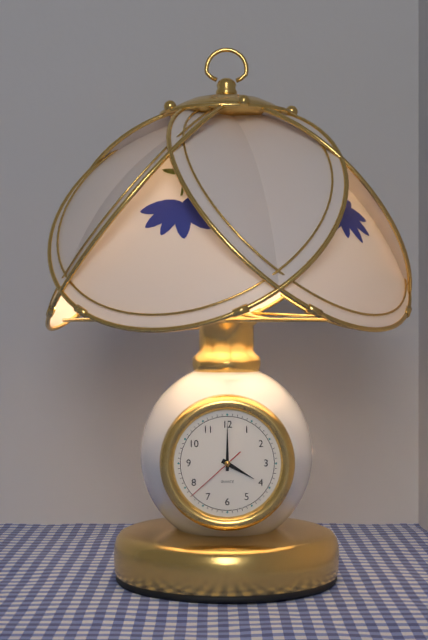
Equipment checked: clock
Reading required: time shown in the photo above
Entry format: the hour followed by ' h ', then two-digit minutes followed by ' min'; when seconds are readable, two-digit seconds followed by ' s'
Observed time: 4 h 00 min 38 s
